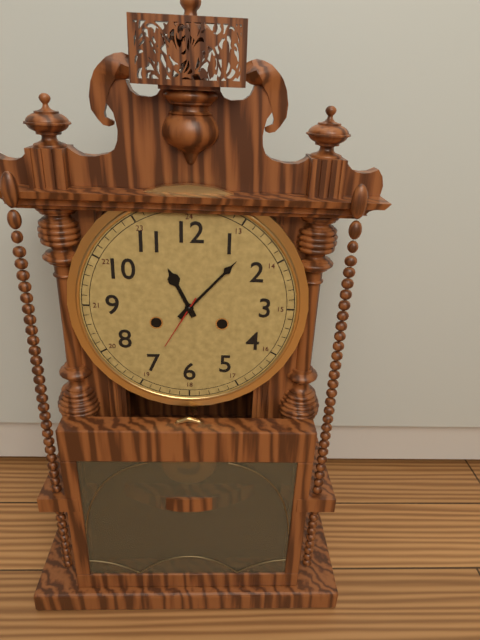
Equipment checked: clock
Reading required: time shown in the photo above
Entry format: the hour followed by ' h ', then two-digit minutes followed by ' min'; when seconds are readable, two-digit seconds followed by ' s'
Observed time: 11 h 07 min 35 s
